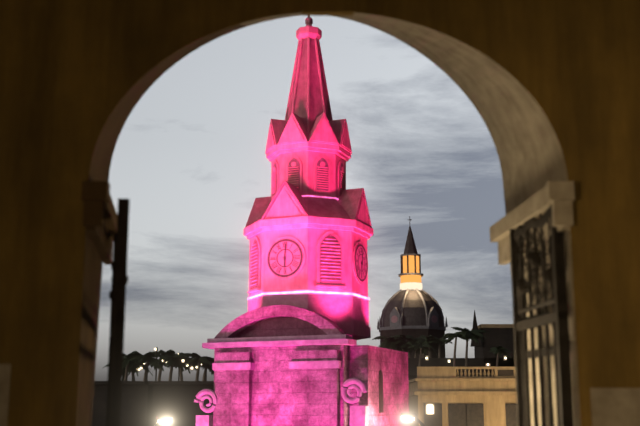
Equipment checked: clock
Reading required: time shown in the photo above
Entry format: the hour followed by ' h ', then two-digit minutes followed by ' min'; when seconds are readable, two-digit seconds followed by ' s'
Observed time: 6 h 01 min
